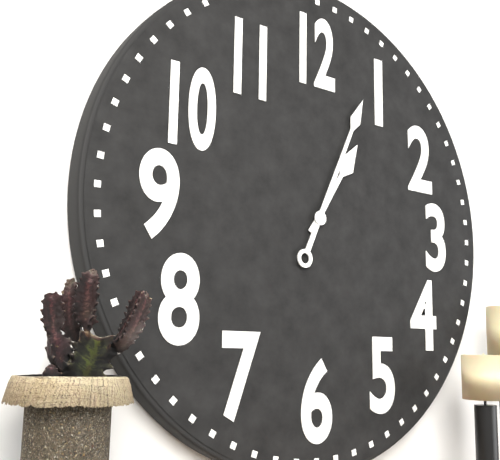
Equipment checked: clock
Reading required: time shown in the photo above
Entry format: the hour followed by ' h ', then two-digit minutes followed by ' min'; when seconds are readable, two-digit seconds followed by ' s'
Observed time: 1 h 04 min
